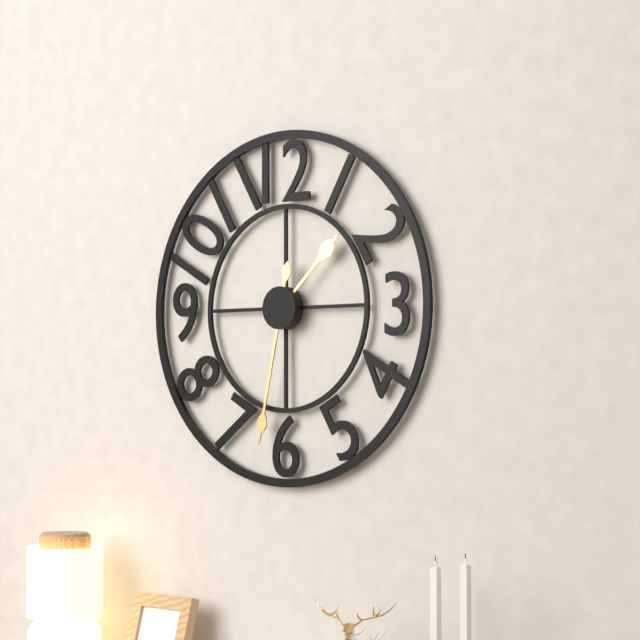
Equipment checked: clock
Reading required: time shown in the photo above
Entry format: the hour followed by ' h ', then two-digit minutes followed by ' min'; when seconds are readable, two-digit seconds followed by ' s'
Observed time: 1 h 32 min
